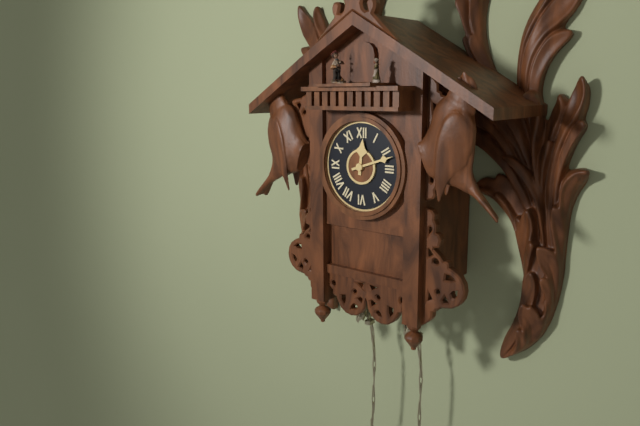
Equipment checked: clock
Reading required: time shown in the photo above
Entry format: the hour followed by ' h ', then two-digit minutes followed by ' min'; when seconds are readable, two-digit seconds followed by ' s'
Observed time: 12 h 12 min
